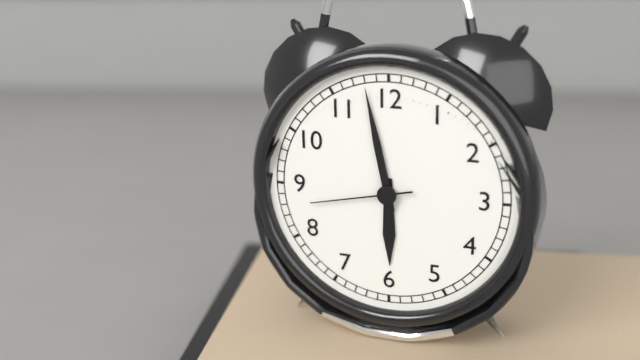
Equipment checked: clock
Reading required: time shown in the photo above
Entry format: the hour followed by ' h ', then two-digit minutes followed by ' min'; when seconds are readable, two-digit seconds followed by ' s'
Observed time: 5 h 58 min 43 s
